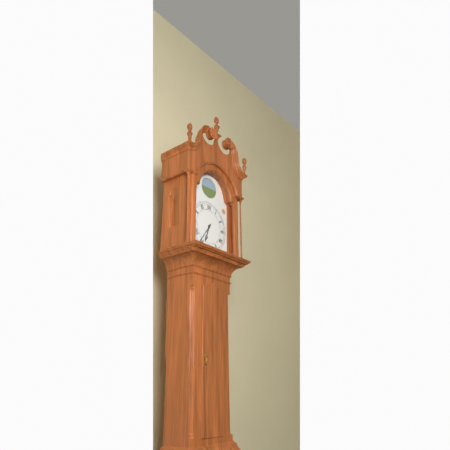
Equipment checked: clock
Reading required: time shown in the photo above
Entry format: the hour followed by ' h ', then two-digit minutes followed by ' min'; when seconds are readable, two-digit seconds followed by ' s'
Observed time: 6 h 36 min
